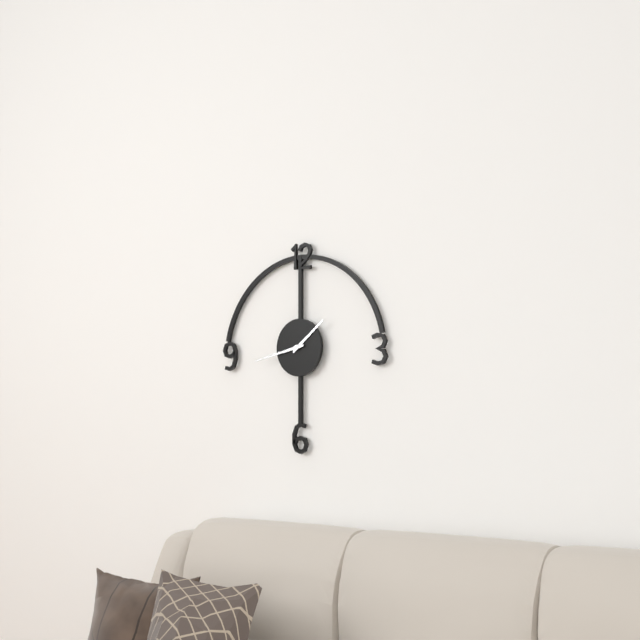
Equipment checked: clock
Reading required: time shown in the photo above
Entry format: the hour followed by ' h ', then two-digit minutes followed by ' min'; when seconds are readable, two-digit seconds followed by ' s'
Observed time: 1 h 43 min
